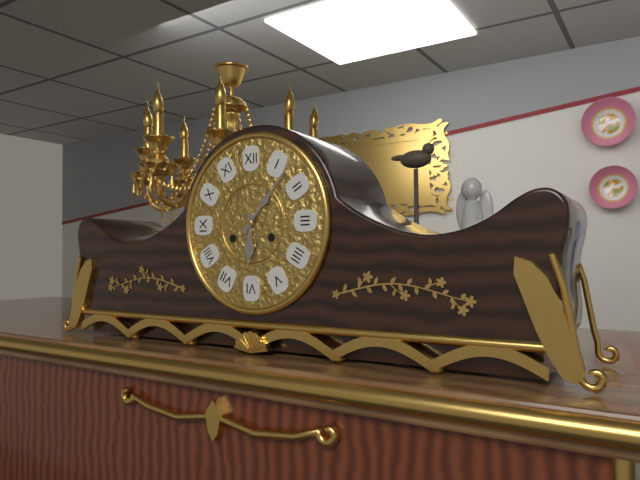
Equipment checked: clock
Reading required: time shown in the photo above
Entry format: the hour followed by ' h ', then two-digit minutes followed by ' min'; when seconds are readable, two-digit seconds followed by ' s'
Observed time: 6 h 07 min
